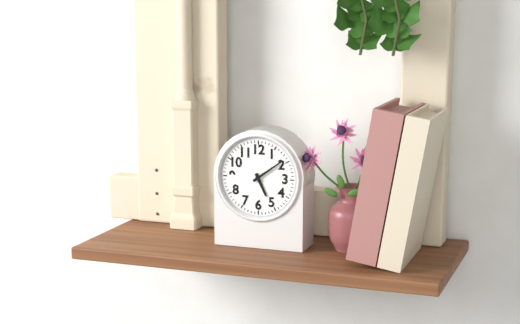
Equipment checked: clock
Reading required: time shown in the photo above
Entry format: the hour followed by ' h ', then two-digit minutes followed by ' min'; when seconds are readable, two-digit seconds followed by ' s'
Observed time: 5 h 09 min
